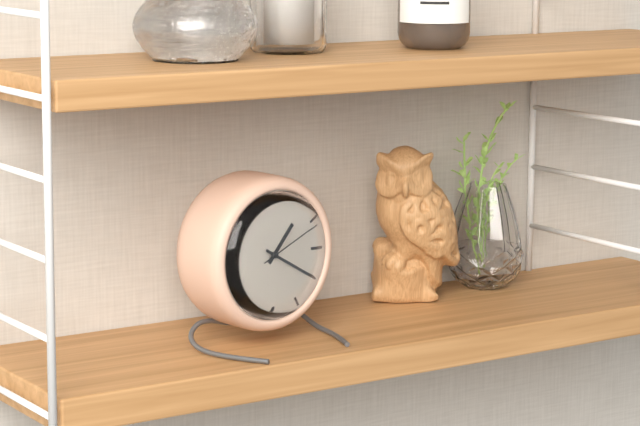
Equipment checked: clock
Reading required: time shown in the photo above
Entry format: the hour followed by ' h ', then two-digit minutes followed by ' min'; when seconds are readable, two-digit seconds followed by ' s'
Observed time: 1 h 20 min 11 s
